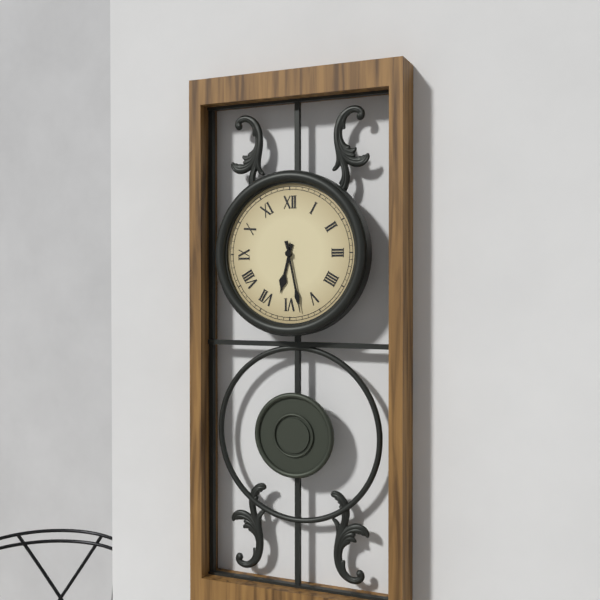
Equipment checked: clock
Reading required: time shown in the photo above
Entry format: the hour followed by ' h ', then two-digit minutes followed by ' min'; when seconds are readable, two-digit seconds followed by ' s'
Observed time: 6 h 28 min
